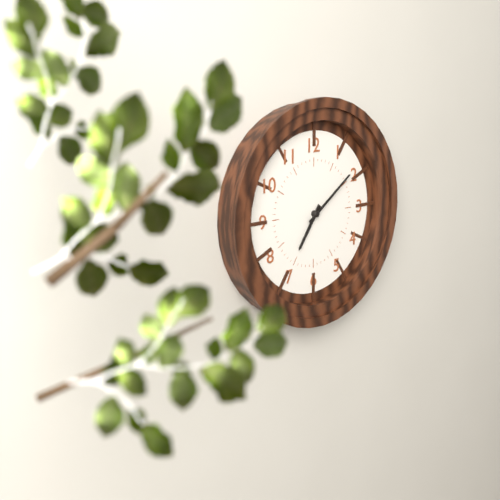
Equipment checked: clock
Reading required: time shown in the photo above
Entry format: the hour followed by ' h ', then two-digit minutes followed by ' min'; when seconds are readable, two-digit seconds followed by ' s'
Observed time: 7 h 09 min
